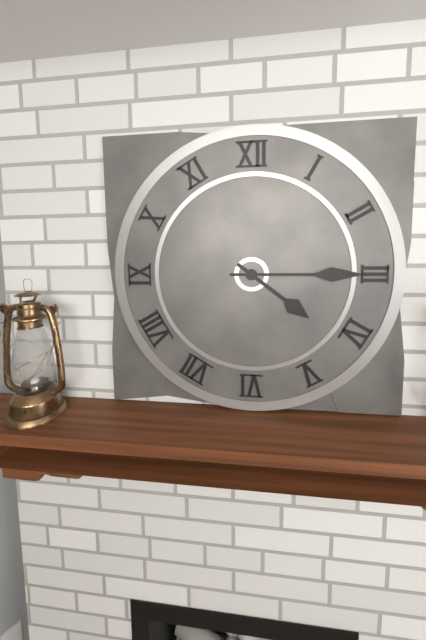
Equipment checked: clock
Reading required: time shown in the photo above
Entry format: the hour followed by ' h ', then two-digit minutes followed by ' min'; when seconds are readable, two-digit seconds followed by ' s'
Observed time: 4 h 15 min
